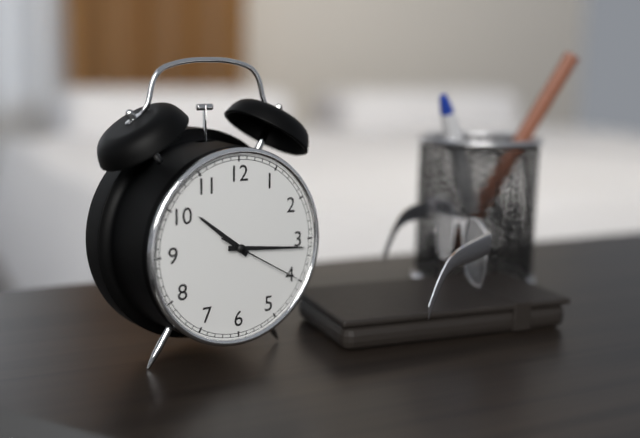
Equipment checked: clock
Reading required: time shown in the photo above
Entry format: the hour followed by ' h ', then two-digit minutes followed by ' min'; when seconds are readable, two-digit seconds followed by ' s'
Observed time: 10 h 16 min 20 s
